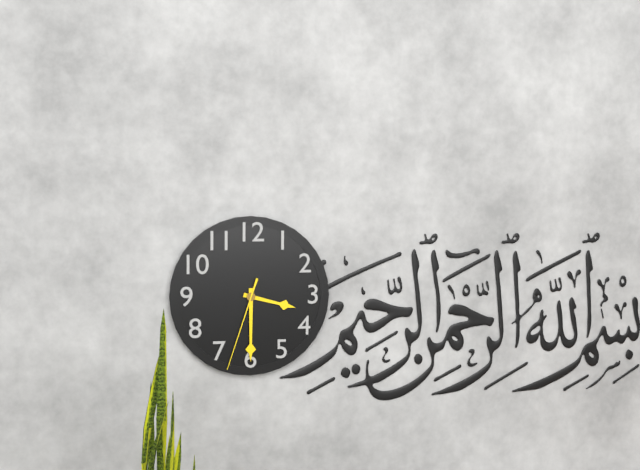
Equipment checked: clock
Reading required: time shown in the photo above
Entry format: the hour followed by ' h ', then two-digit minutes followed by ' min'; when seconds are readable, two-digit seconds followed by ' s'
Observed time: 3 h 30 min 33 s
